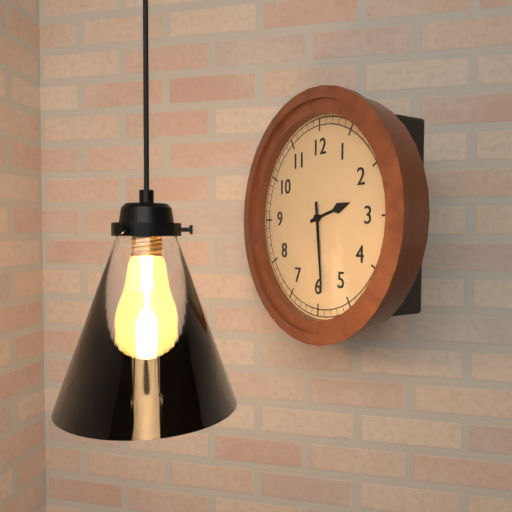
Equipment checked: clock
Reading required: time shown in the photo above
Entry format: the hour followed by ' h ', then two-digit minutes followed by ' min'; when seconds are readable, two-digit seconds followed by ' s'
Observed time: 2 h 29 min
